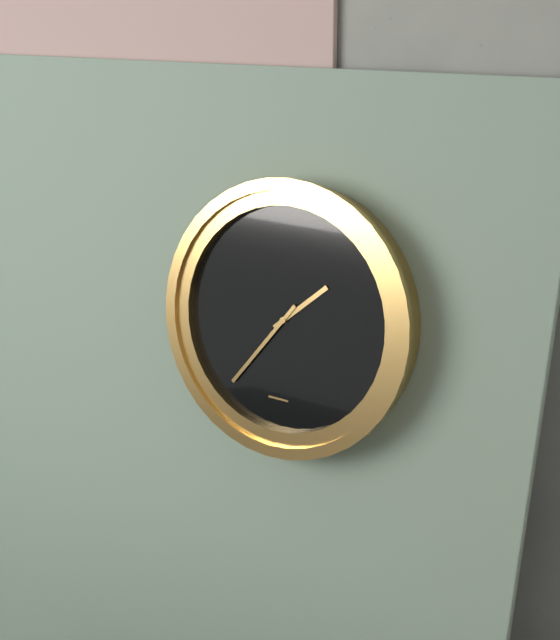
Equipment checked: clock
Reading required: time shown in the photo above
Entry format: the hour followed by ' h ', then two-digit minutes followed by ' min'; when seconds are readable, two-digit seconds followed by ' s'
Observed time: 1 h 36 min
